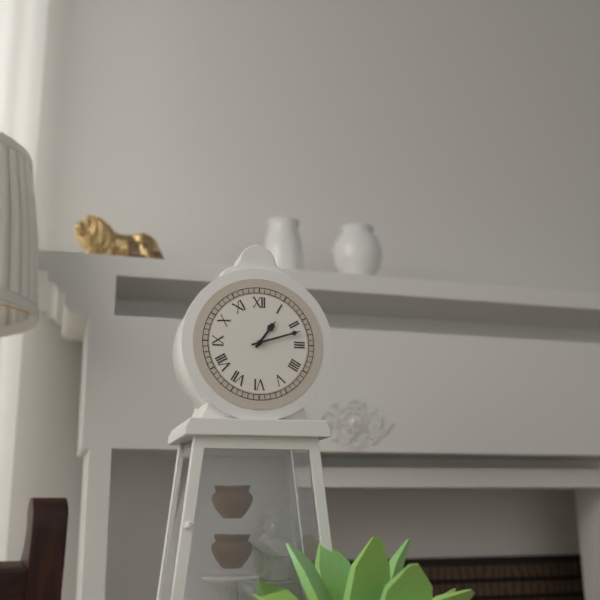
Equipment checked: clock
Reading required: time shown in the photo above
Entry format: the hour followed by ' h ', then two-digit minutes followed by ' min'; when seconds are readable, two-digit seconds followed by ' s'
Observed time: 1 h 12 min
